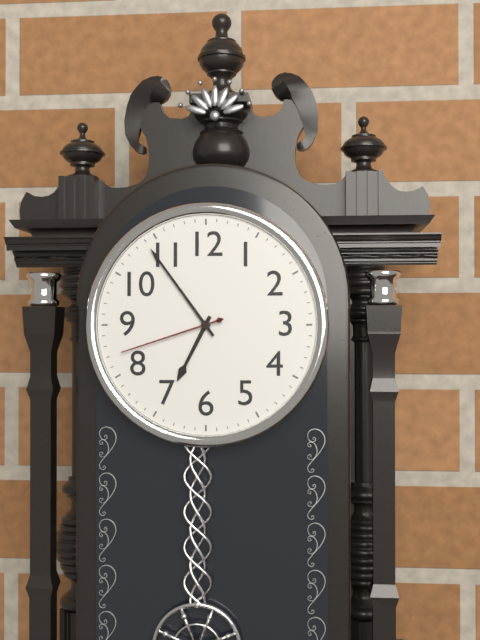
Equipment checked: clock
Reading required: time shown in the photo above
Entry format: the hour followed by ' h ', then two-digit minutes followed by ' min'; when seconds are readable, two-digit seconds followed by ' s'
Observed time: 6 h 54 min 42 s
